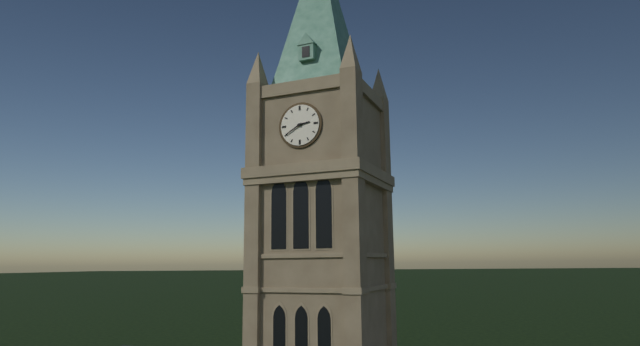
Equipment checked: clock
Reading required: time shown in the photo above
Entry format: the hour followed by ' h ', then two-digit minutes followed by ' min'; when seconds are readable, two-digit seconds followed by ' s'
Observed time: 2 h 40 min
